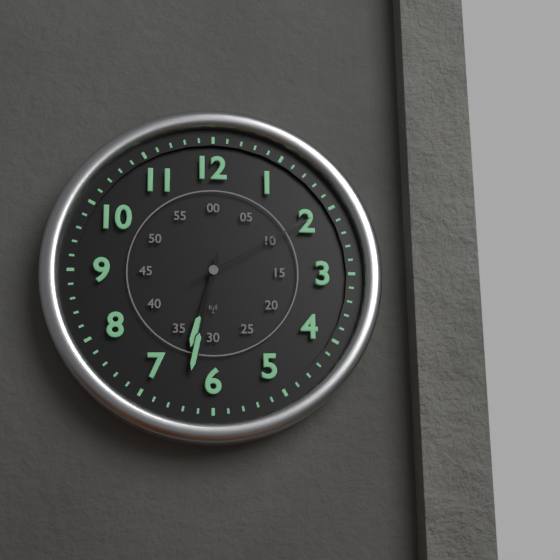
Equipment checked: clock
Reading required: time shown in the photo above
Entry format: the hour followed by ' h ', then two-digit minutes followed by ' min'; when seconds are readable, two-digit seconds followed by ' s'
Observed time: 6 h 32 min 10 s
